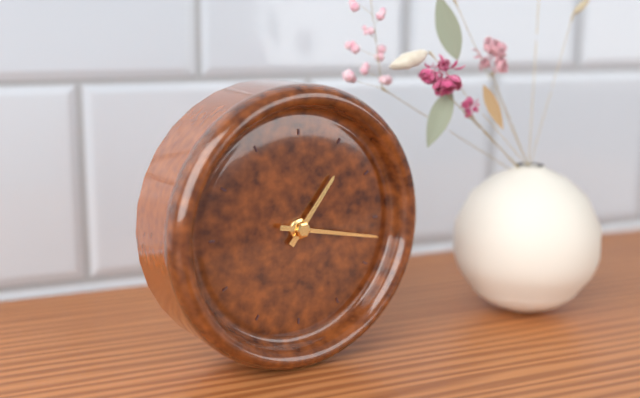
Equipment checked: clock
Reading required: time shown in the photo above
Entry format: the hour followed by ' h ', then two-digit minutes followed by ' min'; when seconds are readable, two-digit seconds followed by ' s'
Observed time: 1 h 17 min
